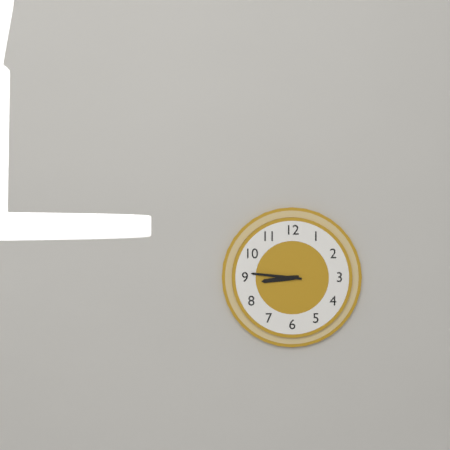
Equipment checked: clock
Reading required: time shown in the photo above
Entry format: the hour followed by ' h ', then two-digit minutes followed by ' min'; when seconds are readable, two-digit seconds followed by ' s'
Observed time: 8 h 46 min
